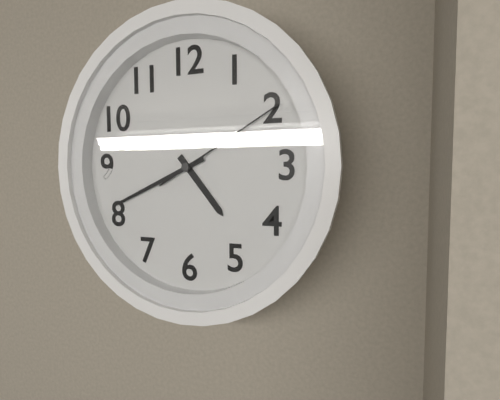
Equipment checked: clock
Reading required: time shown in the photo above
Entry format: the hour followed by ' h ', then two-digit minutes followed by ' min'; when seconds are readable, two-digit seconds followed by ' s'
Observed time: 4 h 41 min 10 s
